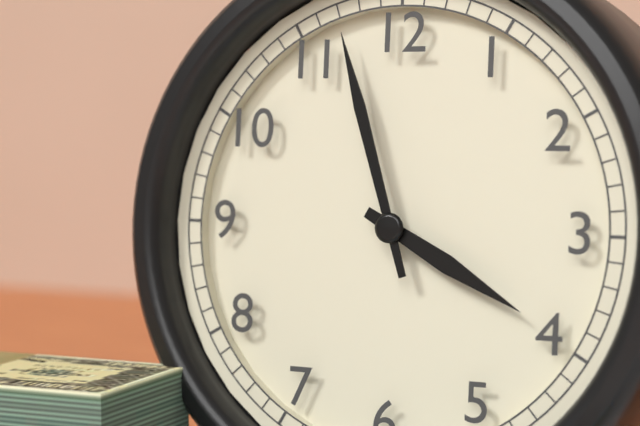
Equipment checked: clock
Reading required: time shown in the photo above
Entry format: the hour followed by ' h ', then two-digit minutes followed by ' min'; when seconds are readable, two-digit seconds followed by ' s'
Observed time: 3 h 57 min
